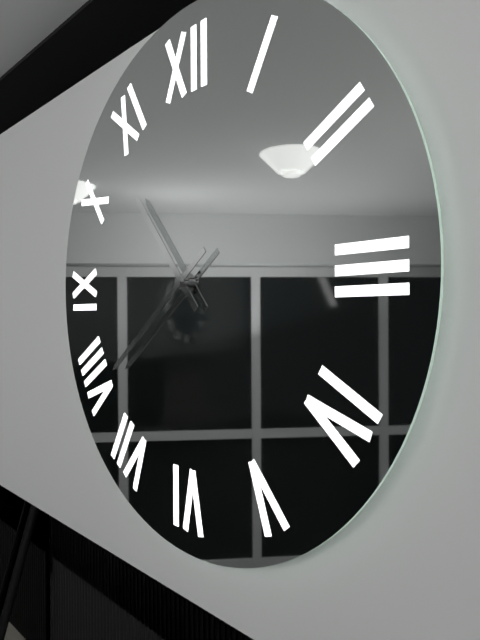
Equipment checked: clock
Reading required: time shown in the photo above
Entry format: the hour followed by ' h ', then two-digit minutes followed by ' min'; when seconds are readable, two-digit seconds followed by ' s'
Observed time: 10 h 39 min
